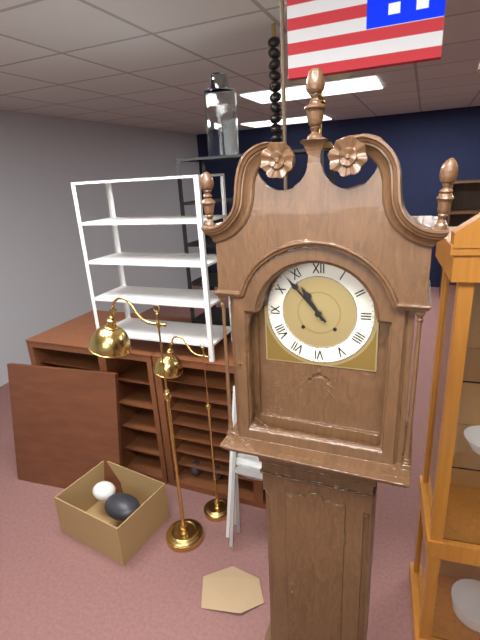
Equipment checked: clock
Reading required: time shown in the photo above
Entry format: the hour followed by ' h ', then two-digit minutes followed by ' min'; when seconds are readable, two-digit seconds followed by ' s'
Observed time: 10 h 53 min
